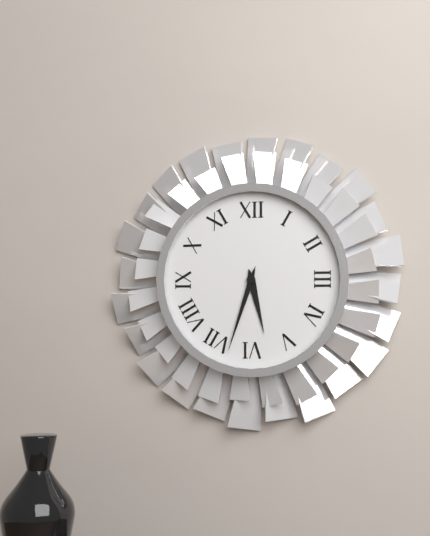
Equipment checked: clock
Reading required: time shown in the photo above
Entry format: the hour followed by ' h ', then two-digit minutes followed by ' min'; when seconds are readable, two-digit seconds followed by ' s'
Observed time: 5 h 33 min
